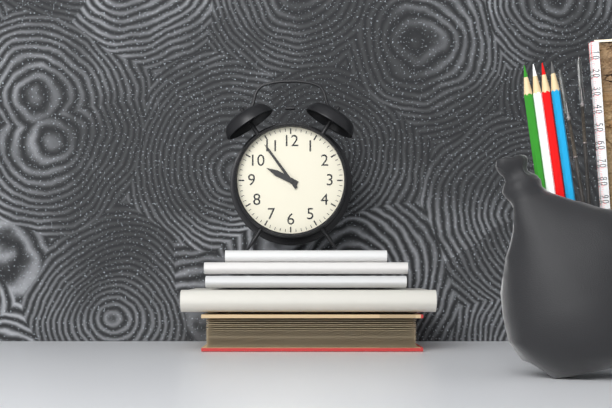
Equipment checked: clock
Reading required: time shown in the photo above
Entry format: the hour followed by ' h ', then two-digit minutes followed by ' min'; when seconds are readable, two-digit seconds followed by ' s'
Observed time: 9 h 54 min
